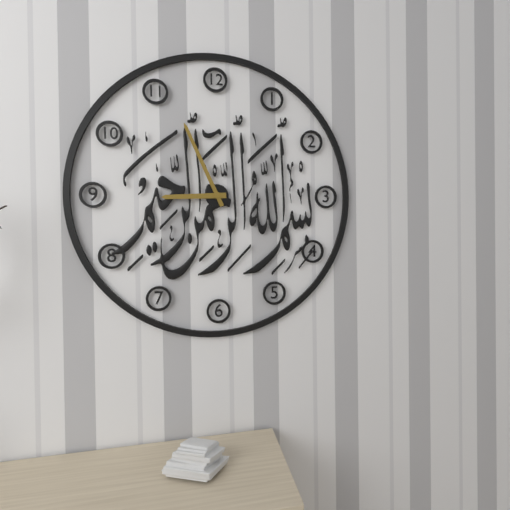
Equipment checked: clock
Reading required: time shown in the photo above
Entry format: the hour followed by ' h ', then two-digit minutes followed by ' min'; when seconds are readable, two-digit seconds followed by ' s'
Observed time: 8 h 56 min
